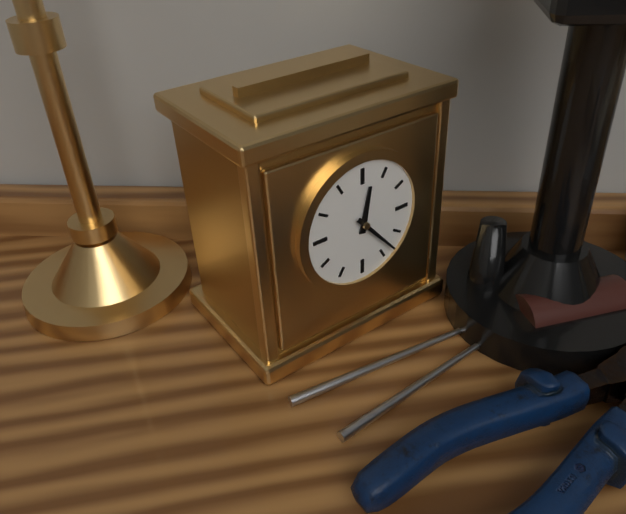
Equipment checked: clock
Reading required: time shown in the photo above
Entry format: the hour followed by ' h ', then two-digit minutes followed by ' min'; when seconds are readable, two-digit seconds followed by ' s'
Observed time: 12 h 23 min
